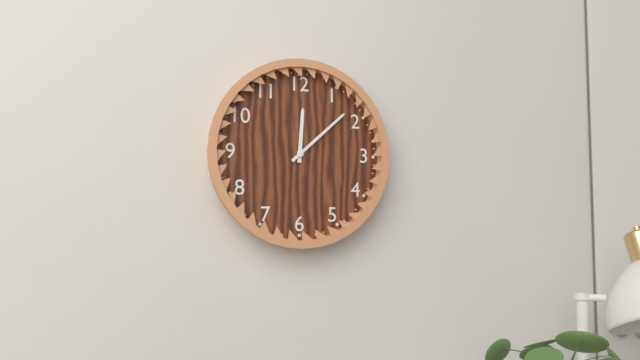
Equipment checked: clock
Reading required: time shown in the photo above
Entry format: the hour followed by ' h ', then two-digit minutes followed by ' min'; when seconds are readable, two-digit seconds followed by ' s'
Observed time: 12 h 08 min
